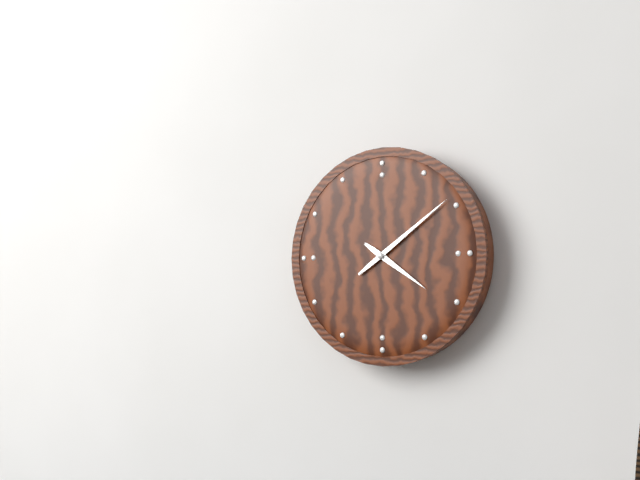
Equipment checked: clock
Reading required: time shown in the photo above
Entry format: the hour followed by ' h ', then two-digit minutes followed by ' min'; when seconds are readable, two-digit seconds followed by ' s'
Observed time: 4 h 09 min
